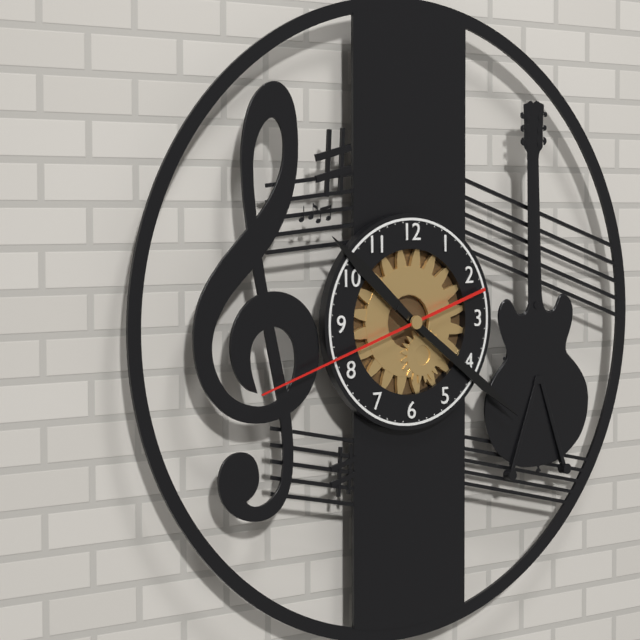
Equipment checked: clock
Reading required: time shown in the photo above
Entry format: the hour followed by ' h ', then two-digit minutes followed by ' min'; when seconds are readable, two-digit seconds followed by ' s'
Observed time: 10 h 21 min 42 s
